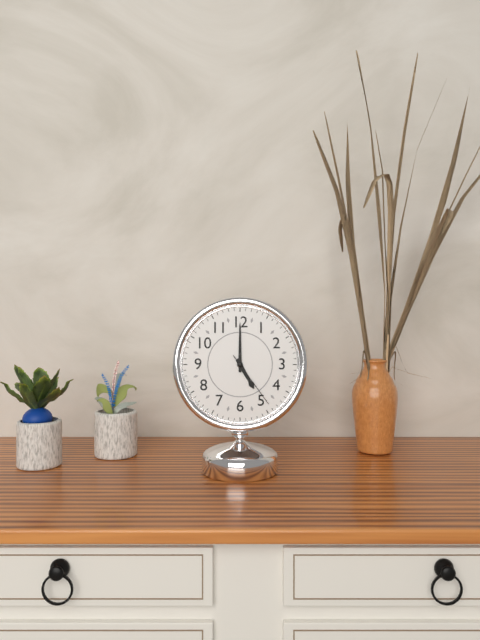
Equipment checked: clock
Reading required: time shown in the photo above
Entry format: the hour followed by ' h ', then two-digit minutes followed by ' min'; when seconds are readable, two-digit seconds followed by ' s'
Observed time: 5 h 00 min 24 s
